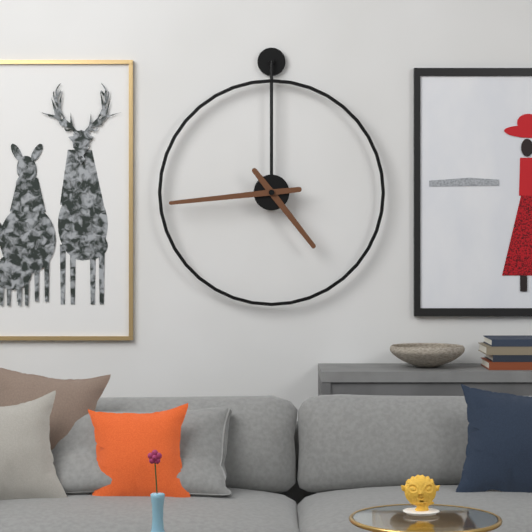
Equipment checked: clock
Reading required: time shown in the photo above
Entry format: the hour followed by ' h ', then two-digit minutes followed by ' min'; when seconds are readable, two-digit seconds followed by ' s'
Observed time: 4 h 44 min
